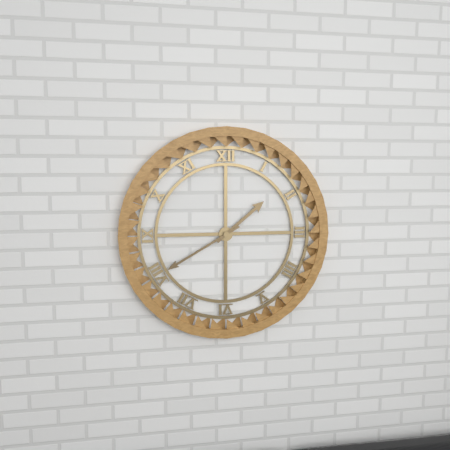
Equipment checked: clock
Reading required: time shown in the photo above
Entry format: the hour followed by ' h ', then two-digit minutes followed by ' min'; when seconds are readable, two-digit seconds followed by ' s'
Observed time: 1 h 40 min
